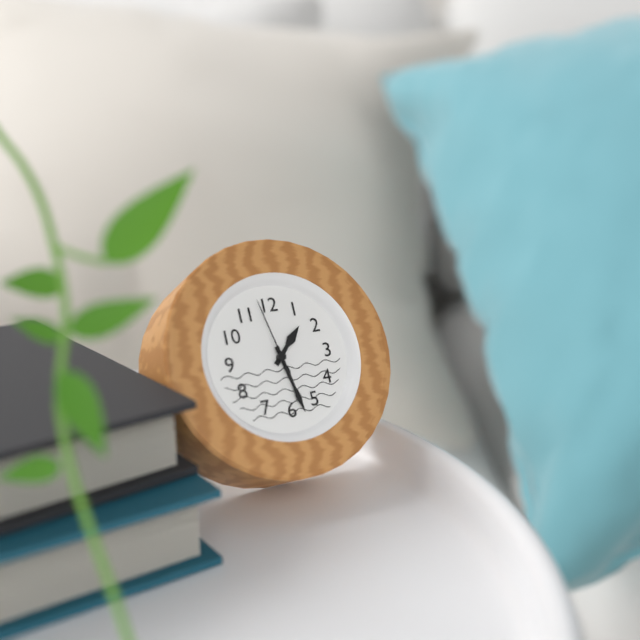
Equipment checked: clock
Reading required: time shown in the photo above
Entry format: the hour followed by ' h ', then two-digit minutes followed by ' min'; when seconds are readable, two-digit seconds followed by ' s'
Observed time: 1 h 28 min 58 s
